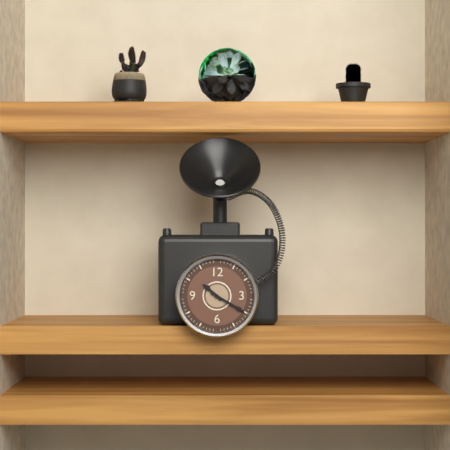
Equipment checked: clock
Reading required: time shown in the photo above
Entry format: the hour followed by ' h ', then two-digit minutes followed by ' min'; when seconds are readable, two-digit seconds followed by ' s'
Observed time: 10 h 20 min
